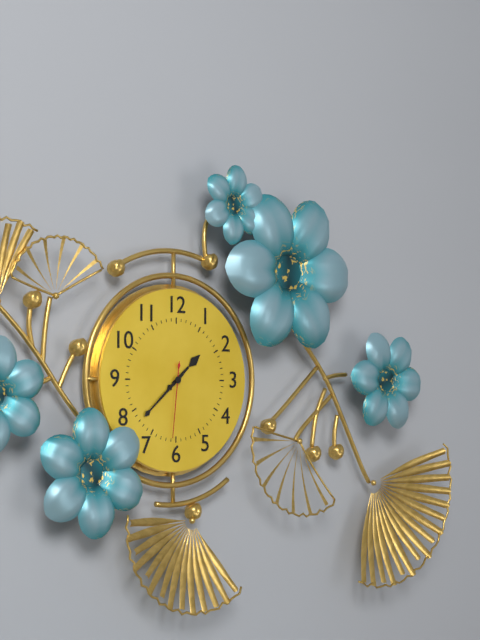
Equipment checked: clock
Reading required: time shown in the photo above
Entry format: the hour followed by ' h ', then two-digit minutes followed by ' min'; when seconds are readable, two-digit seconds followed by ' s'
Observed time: 1 h 38 min 31 s
